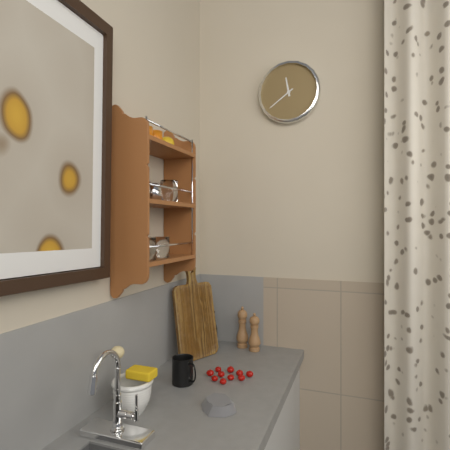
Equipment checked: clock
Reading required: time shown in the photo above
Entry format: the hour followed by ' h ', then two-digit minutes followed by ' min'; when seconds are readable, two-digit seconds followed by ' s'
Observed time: 11 h 39 min
